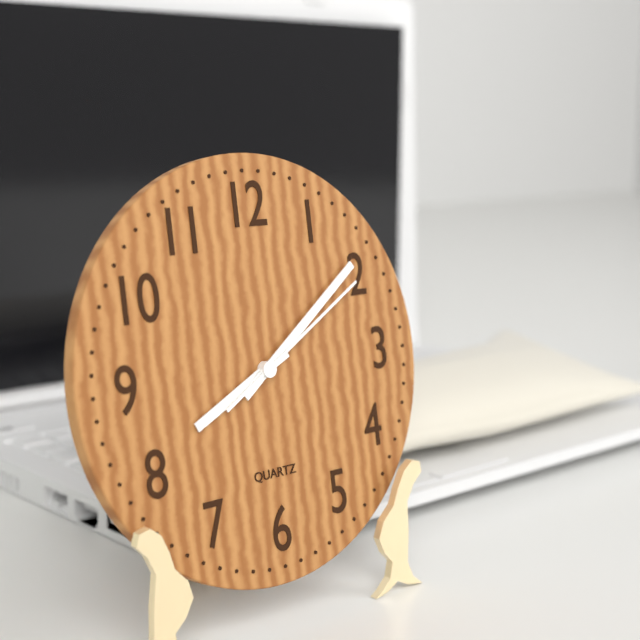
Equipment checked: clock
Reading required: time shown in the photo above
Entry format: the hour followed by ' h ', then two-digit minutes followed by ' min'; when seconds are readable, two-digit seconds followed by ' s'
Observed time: 8 h 09 min 10 s
